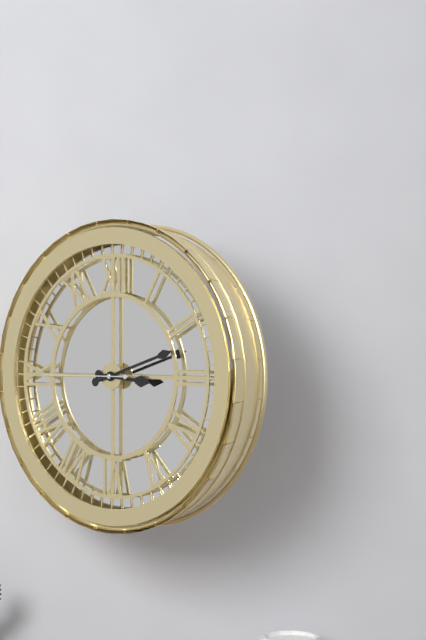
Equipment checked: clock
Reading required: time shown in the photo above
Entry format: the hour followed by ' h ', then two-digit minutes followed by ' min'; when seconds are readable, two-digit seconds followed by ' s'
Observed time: 3 h 12 min 45 s
